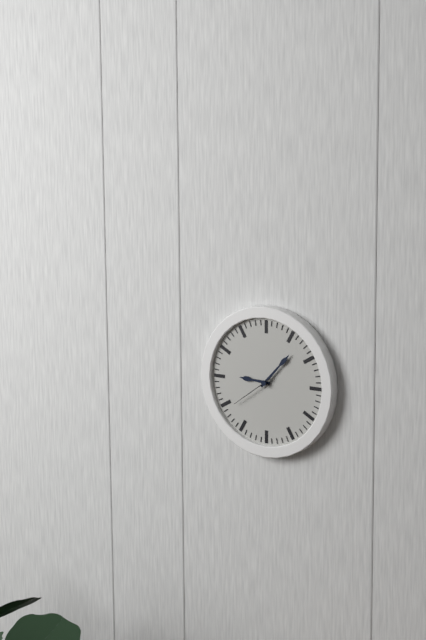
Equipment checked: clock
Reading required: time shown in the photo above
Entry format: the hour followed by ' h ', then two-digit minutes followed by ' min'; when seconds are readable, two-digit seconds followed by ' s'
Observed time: 9 h 07 min
